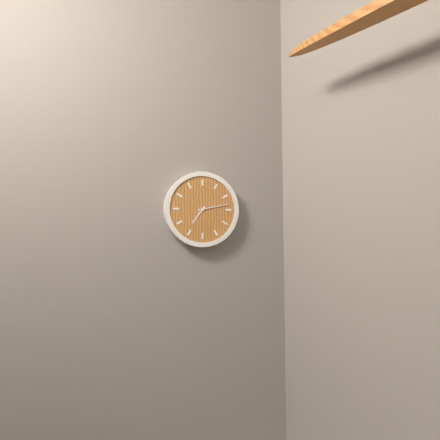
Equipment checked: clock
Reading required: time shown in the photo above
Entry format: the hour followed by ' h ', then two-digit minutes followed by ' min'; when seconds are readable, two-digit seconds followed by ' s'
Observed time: 7 h 13 min
